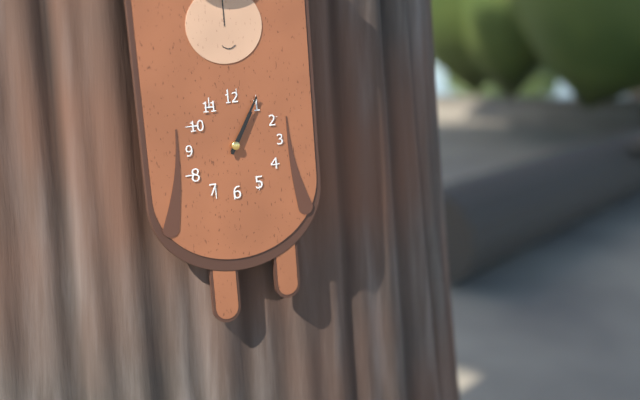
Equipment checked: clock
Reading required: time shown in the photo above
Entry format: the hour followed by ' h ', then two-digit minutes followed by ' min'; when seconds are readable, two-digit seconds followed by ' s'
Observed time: 1 h 05 min
